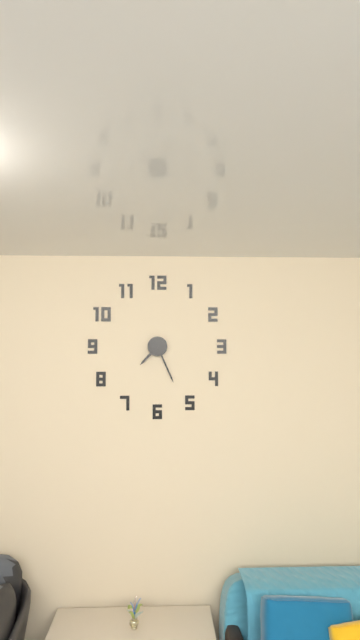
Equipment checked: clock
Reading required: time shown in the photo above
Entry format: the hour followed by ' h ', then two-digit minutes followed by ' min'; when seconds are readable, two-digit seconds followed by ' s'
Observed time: 7 h 26 min
